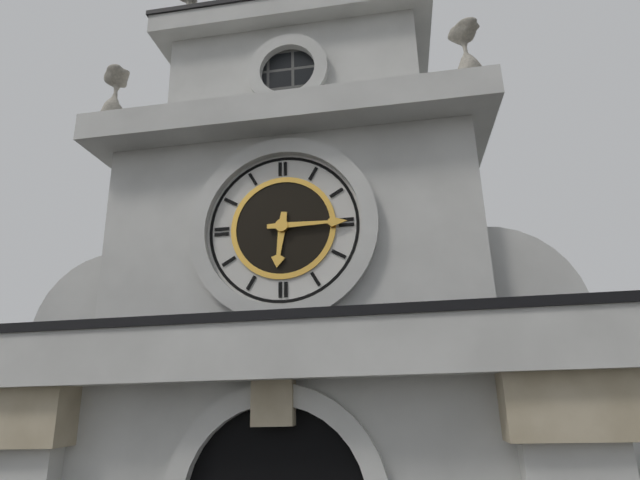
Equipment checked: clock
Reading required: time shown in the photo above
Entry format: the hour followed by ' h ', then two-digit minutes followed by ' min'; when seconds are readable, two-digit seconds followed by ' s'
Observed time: 6 h 15 min
